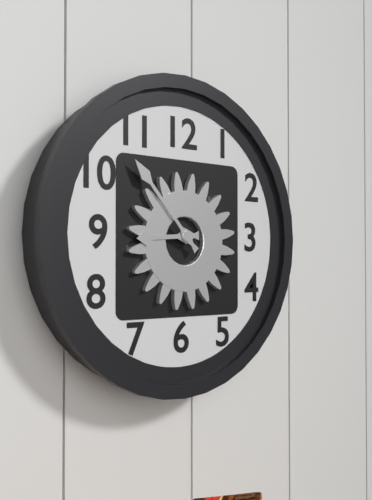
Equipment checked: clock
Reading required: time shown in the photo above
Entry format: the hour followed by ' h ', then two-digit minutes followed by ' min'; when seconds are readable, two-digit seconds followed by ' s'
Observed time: 8 h 53 min
